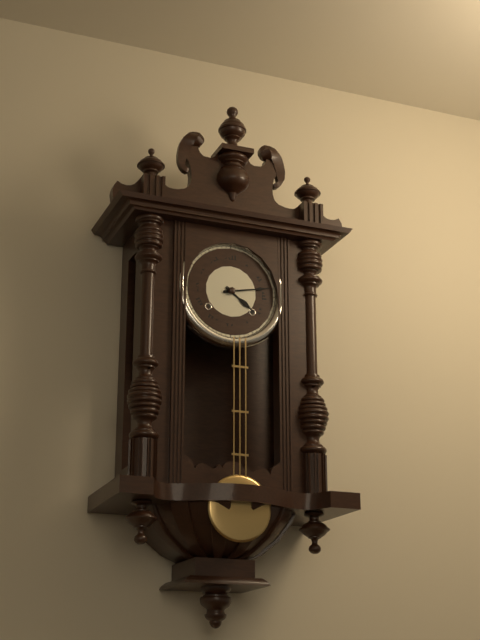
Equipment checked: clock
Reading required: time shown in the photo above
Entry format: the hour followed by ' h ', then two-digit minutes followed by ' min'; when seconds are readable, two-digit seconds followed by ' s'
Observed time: 4 h 13 min
